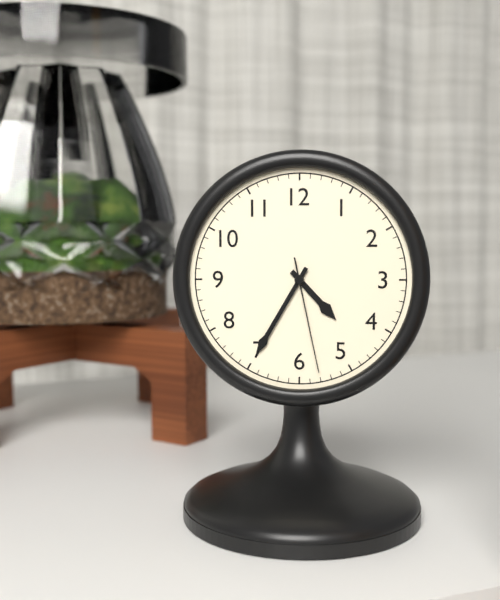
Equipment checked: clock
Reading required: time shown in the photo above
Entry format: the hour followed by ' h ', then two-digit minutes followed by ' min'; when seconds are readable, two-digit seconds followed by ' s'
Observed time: 4 h 35 min 28 s
